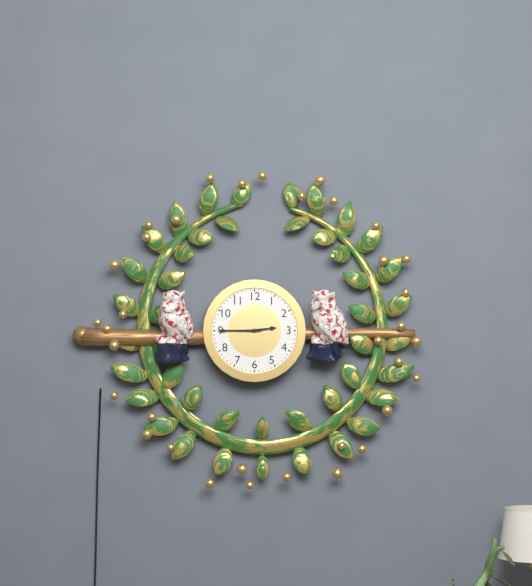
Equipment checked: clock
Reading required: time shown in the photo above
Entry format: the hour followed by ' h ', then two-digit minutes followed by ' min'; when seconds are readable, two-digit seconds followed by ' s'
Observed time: 2 h 45 min
